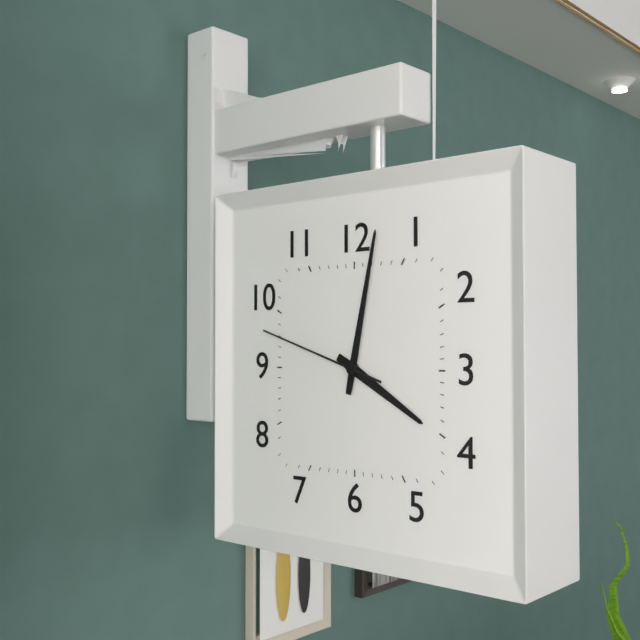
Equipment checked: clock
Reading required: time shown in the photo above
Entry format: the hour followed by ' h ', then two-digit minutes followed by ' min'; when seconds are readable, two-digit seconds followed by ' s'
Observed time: 4 h 02 min 48 s
